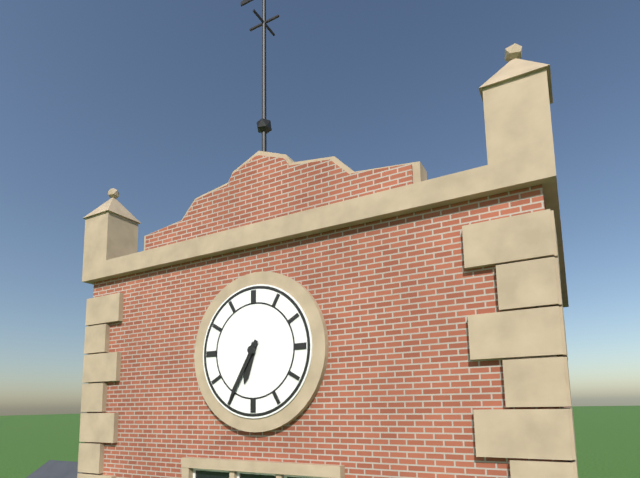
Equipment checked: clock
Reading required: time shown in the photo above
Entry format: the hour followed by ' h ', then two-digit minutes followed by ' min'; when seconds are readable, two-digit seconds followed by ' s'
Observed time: 6 h 35 min
